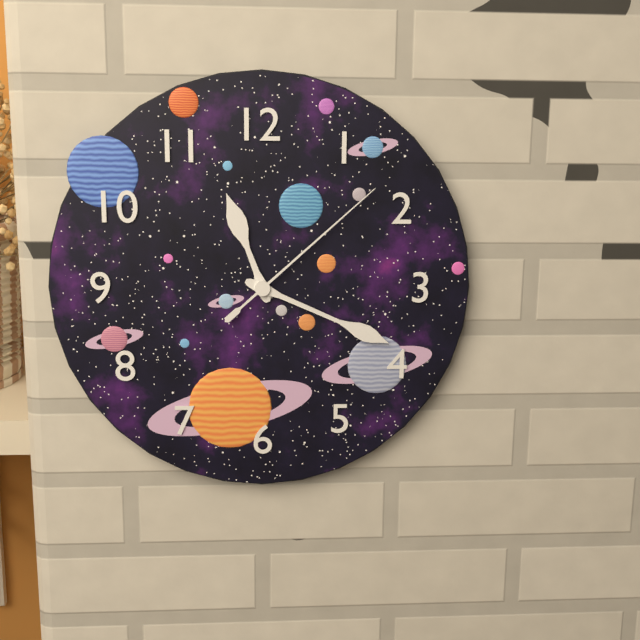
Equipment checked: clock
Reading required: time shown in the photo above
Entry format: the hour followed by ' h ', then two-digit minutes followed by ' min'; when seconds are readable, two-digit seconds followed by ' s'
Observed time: 11 h 19 min 08 s
